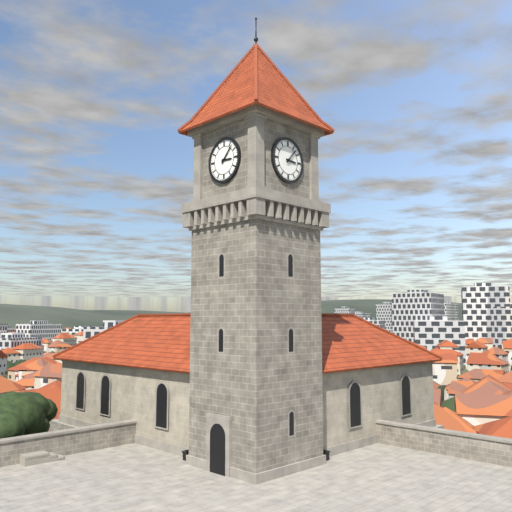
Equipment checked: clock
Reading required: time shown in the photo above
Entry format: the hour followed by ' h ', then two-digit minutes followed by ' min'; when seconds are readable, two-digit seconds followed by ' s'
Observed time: 3 h 07 min
